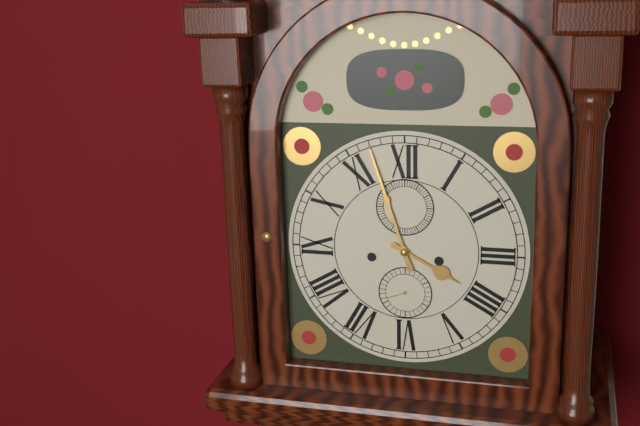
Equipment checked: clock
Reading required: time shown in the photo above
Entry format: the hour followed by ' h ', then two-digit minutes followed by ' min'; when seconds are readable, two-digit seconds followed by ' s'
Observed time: 3 h 57 min
